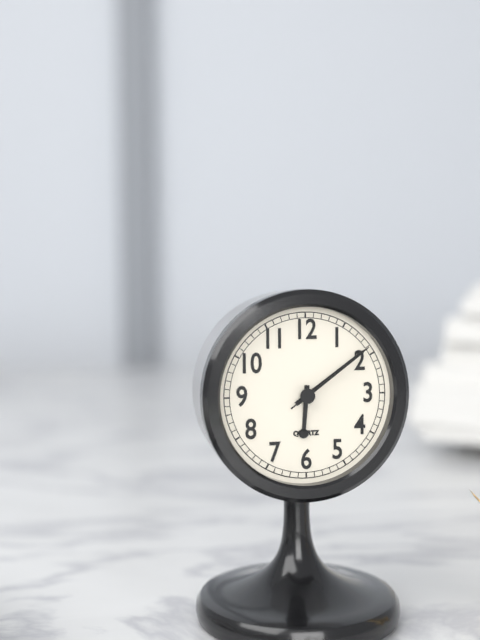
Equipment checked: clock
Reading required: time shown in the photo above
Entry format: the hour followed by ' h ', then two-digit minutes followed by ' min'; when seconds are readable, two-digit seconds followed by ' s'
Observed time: 6 h 09 min 09 s
